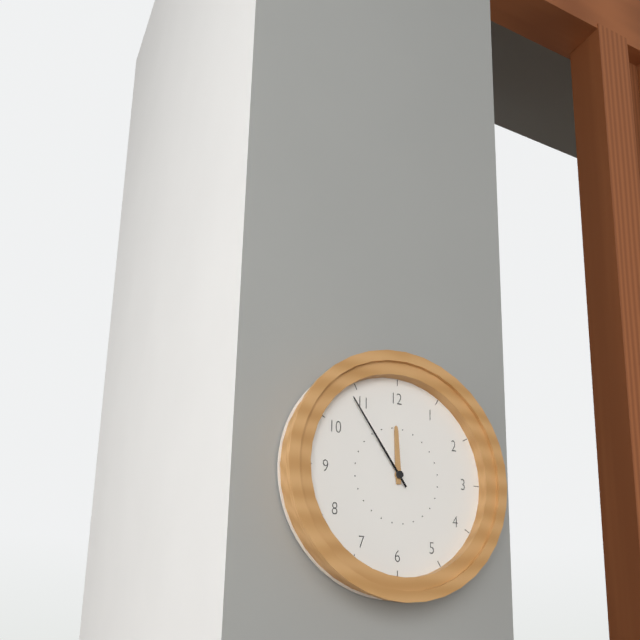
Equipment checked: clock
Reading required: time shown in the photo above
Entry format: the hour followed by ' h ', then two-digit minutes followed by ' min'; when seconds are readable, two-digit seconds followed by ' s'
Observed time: 11 h 54 min
